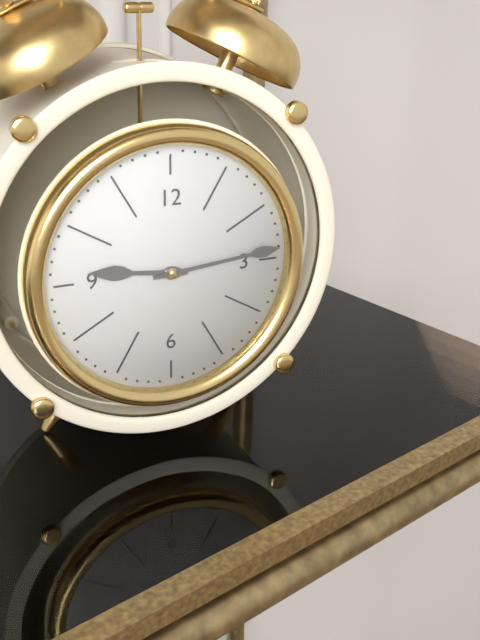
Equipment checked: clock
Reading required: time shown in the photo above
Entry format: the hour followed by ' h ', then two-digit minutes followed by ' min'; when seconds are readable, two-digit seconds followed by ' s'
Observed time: 9 h 14 min
